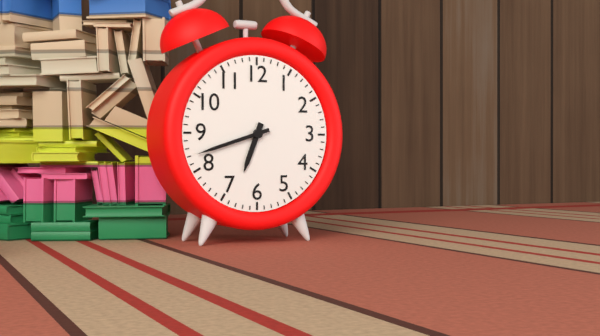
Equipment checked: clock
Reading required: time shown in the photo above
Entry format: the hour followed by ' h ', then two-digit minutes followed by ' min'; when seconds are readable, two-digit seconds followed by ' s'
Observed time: 6 h 42 min
